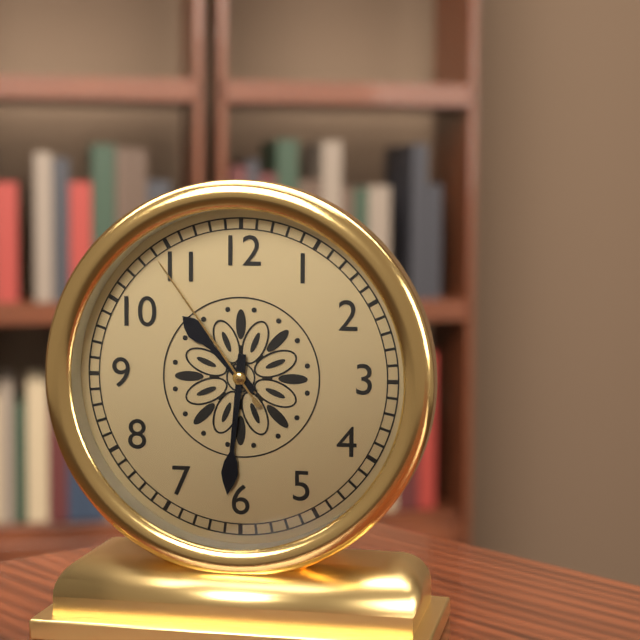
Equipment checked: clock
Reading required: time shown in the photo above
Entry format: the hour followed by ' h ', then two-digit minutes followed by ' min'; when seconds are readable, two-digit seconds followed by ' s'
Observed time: 10 h 31 min 54 s
